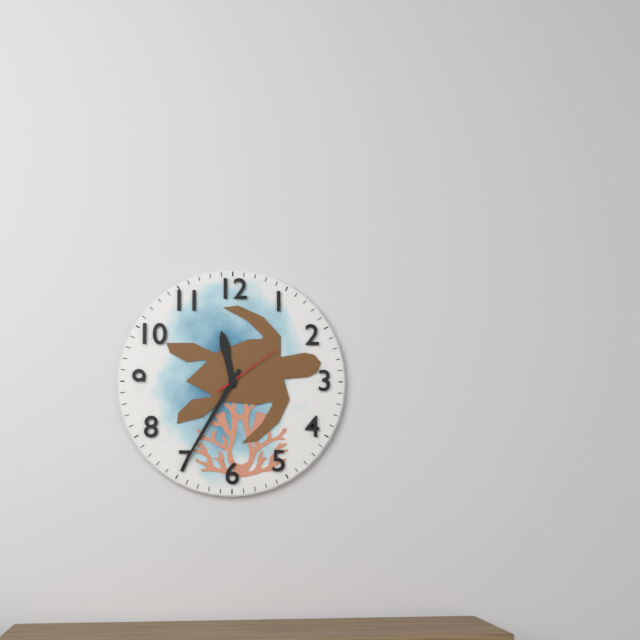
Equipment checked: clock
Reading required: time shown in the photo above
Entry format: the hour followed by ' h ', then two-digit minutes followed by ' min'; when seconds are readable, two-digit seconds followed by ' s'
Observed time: 11 h 35 min 09 s
